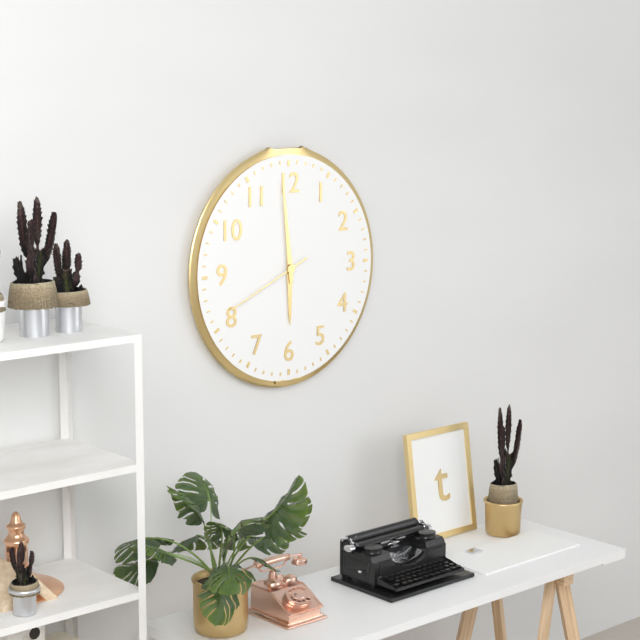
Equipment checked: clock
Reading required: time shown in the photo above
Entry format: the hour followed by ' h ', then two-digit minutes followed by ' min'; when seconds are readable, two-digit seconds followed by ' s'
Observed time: 5 h 59 min 41 s
